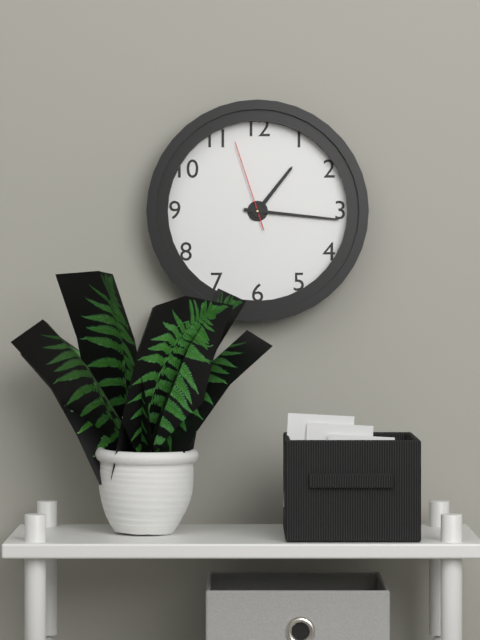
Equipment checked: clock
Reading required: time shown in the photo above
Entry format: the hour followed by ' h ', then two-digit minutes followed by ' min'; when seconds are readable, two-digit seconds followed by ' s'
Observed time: 1 h 16 min 57 s
